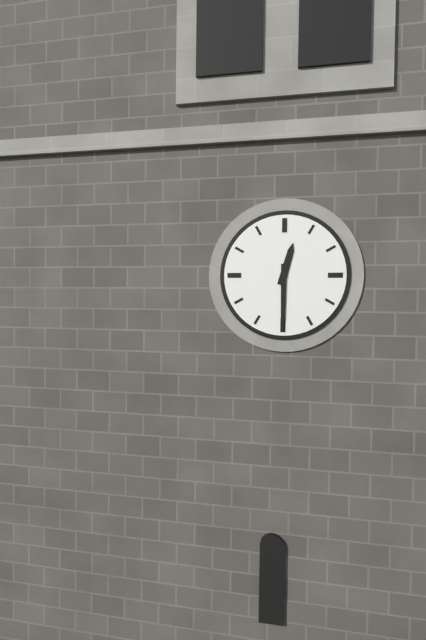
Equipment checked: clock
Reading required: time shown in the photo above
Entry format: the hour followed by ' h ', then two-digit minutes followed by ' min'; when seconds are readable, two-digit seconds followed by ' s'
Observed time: 12 h 30 min
